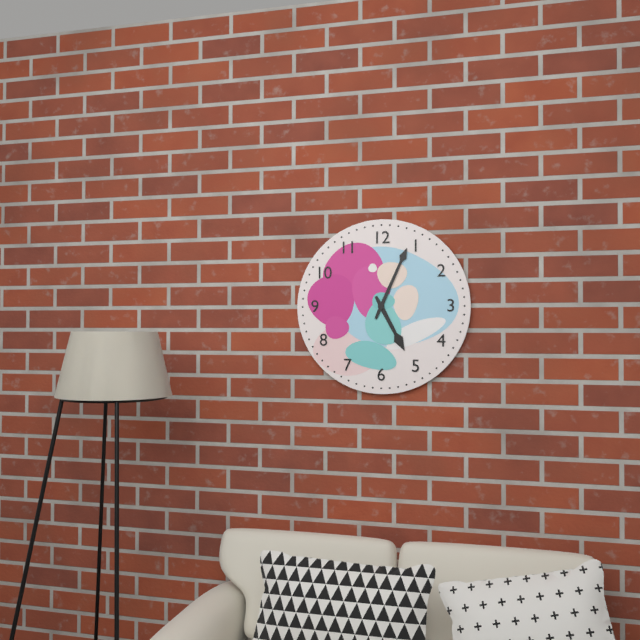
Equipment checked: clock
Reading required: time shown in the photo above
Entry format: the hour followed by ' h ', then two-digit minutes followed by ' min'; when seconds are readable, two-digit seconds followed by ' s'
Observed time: 5 h 04 min
